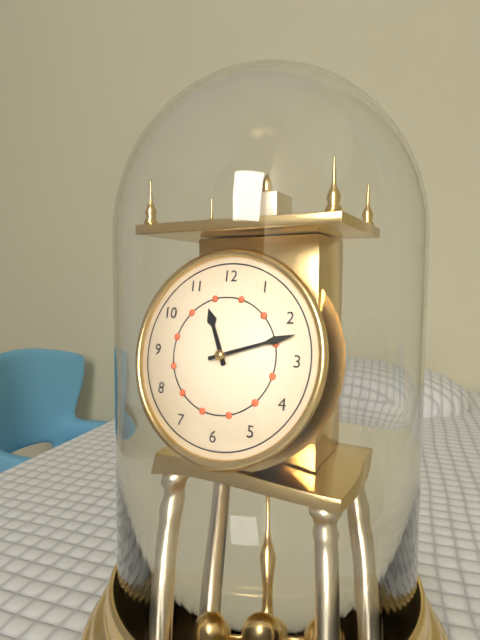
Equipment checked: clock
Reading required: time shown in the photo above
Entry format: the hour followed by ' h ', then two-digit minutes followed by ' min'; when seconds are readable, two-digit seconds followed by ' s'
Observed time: 11 h 12 min
